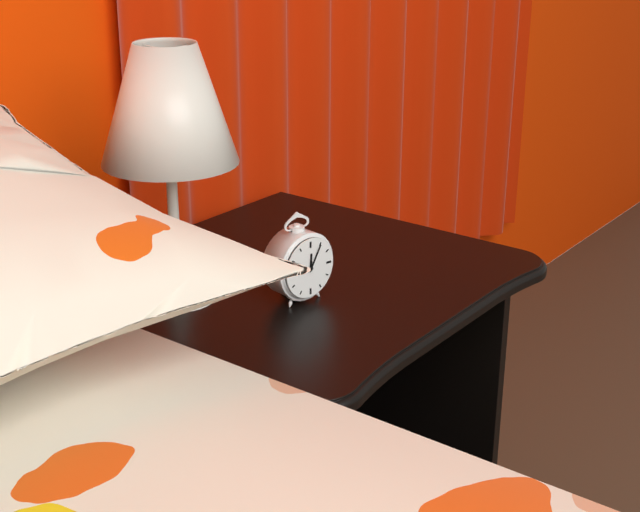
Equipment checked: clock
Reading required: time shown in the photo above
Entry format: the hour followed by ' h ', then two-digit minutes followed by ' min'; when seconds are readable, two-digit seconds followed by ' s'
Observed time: 12 h 05 min
